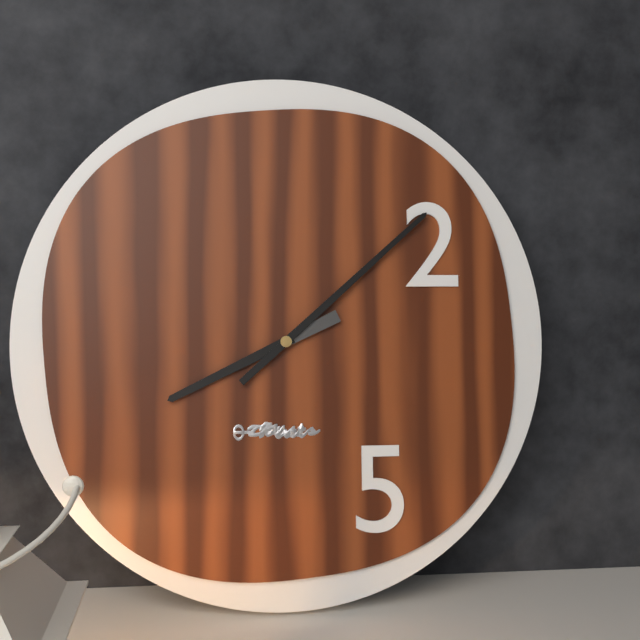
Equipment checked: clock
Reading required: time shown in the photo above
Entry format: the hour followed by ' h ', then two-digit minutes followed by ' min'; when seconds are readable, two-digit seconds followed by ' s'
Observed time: 8 h 08 min
